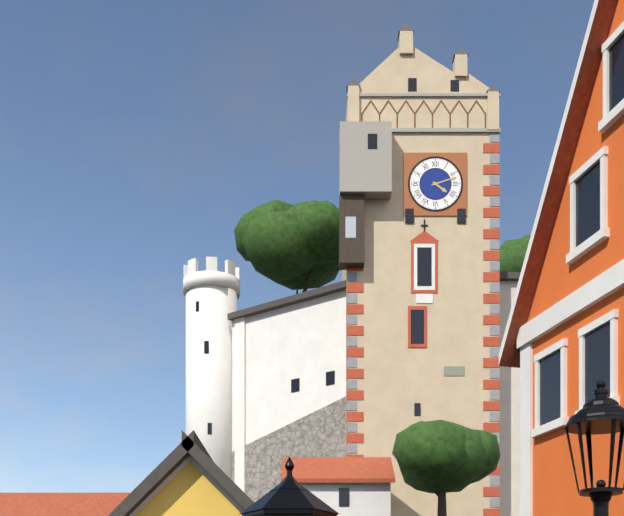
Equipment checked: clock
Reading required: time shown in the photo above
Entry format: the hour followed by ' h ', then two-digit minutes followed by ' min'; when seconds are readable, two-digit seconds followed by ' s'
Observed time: 4 h 12 min
